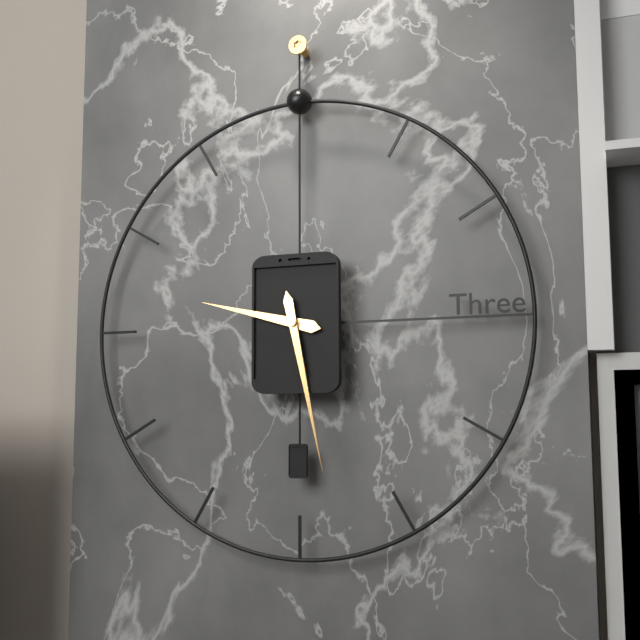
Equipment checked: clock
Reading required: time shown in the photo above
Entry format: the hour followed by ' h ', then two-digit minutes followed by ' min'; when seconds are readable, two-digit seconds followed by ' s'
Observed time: 9 h 28 min
